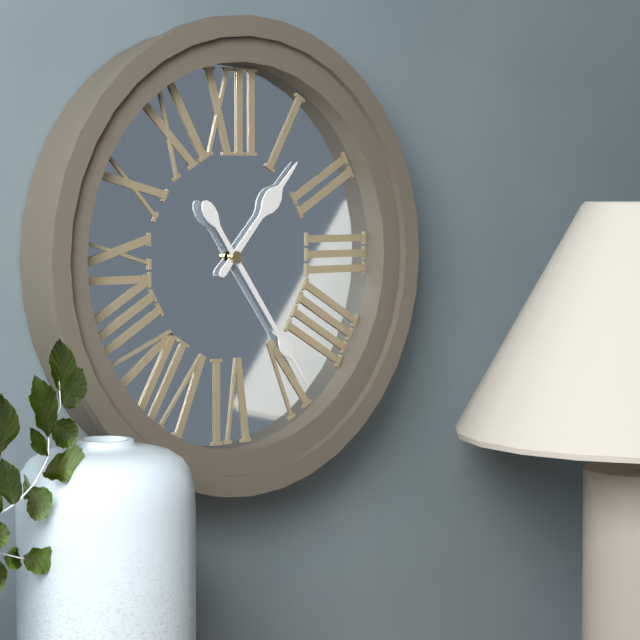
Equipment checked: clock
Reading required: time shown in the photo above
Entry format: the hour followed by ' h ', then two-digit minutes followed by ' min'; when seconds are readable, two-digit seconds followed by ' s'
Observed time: 1 h 24 min
